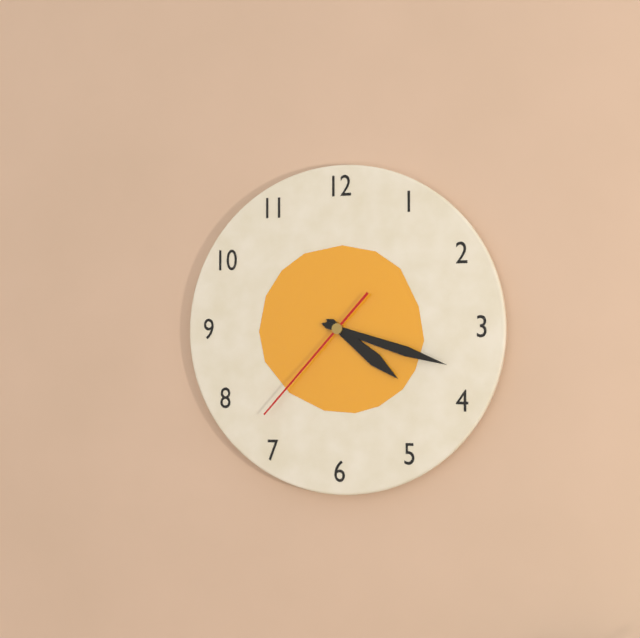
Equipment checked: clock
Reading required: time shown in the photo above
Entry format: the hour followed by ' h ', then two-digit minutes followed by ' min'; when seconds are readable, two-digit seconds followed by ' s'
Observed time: 4 h 18 min 37 s
